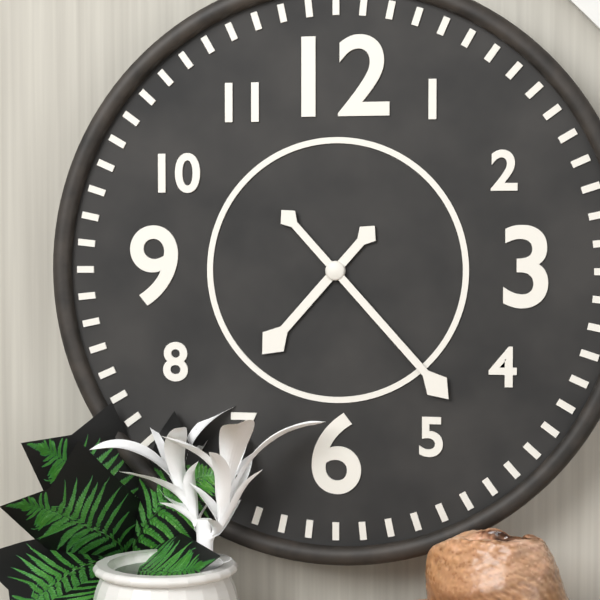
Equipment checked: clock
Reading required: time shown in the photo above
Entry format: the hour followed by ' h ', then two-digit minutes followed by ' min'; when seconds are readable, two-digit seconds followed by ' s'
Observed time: 7 h 23 min
